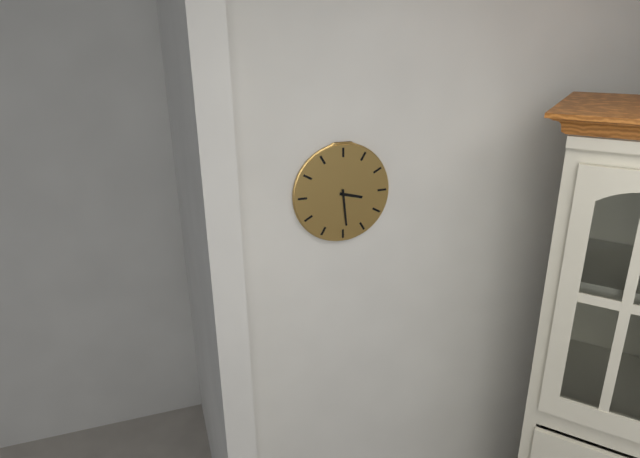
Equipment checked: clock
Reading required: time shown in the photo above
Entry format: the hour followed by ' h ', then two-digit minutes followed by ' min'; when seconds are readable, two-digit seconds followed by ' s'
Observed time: 3 h 29 min
